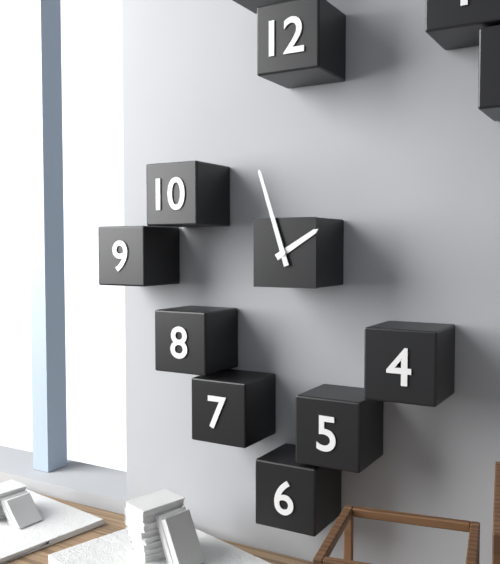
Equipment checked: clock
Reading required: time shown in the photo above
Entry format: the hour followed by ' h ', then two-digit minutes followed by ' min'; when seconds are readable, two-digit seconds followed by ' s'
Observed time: 1 h 57 min
